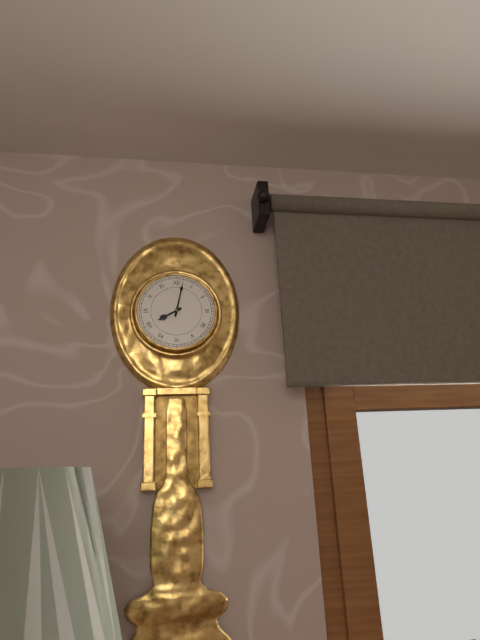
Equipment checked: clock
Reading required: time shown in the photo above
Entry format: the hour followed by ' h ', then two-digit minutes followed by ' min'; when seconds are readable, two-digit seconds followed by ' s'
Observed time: 8 h 02 min
